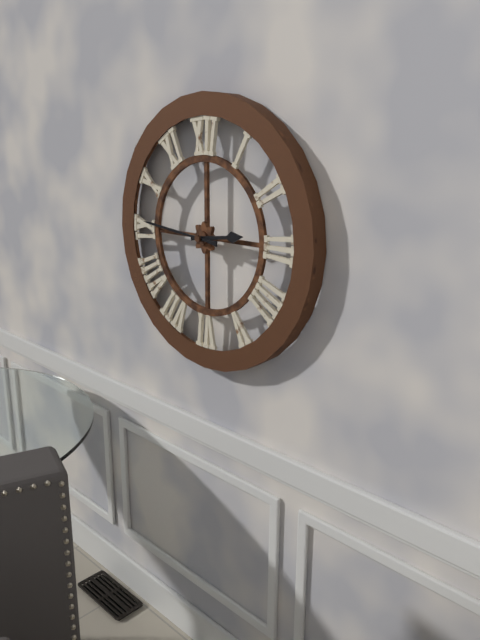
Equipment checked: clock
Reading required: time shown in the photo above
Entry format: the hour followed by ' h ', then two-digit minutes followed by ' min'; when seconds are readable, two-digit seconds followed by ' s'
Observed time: 2 h 46 min
